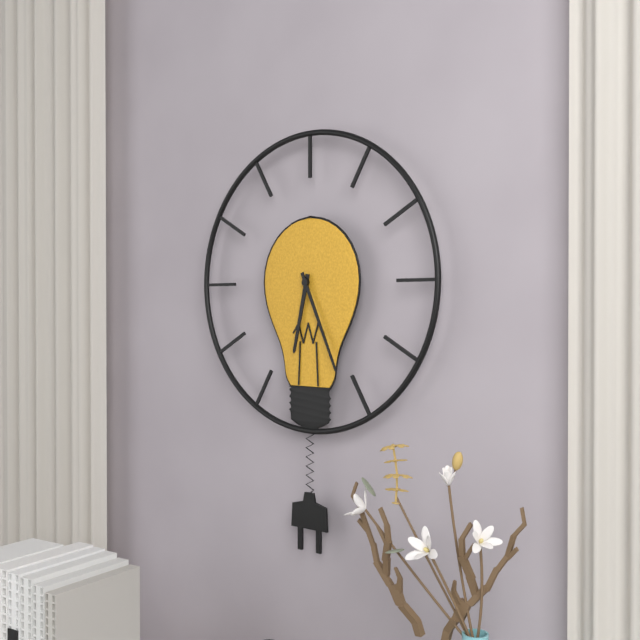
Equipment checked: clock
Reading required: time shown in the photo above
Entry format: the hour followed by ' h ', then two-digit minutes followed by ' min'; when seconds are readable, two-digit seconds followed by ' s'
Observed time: 6 h 26 min
